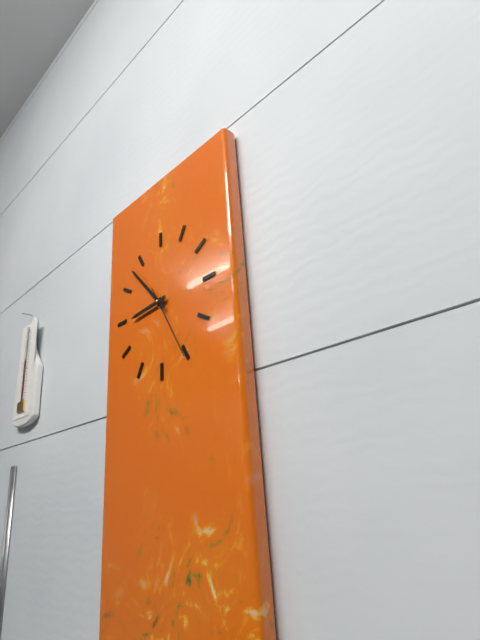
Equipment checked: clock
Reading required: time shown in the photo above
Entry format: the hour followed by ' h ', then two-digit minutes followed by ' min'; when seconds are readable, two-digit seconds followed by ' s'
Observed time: 8 h 53 min 25 s
